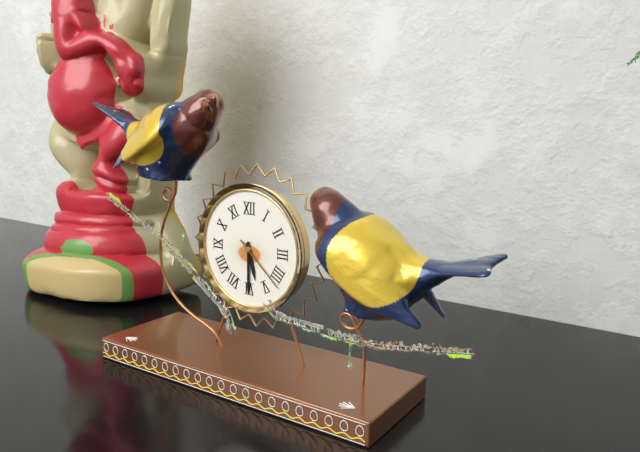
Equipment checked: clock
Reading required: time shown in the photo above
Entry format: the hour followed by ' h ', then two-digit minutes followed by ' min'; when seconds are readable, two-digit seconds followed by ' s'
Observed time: 5 h 30 min 22 s
